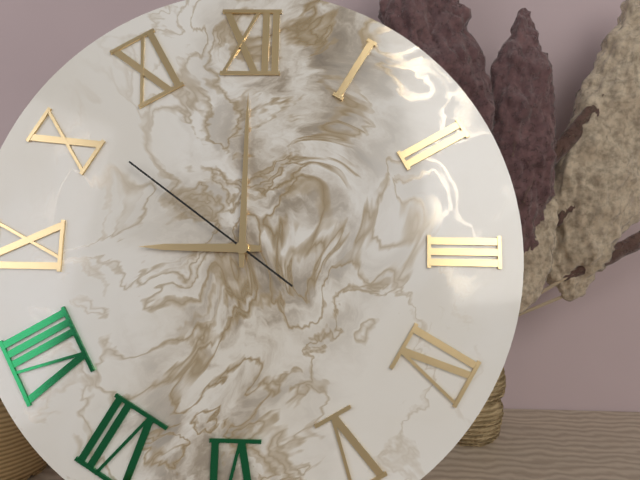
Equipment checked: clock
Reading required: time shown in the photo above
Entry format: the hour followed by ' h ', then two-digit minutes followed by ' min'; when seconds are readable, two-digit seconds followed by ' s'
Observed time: 9 h 00 min 51 s
